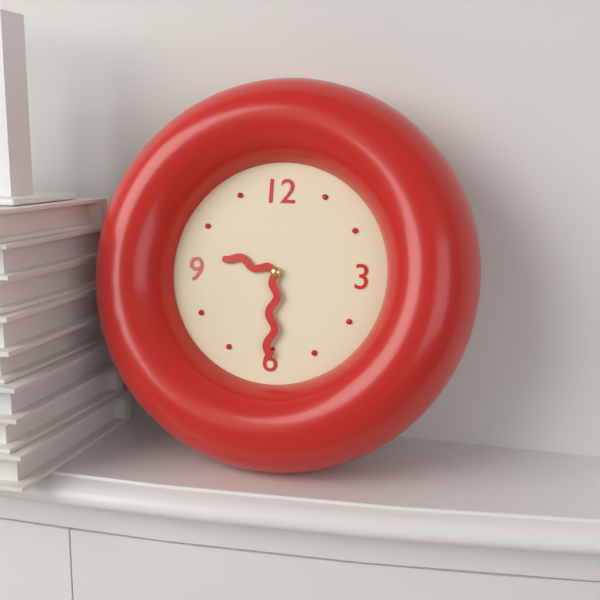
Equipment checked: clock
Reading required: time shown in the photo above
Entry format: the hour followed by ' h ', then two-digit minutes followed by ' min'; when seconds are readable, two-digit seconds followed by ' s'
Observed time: 9 h 30 min
